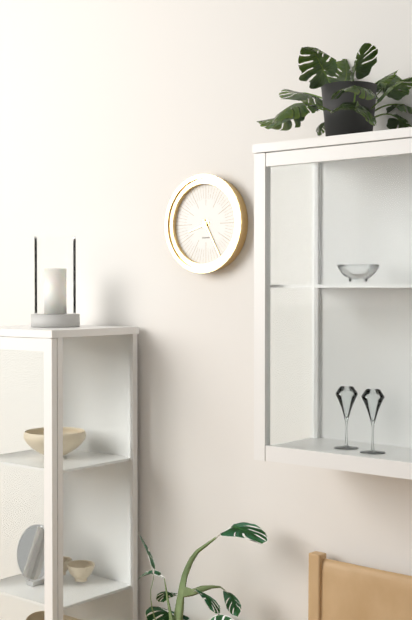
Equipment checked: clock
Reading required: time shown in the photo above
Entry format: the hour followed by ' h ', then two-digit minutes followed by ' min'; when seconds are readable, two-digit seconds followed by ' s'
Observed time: 8 h 25 min
